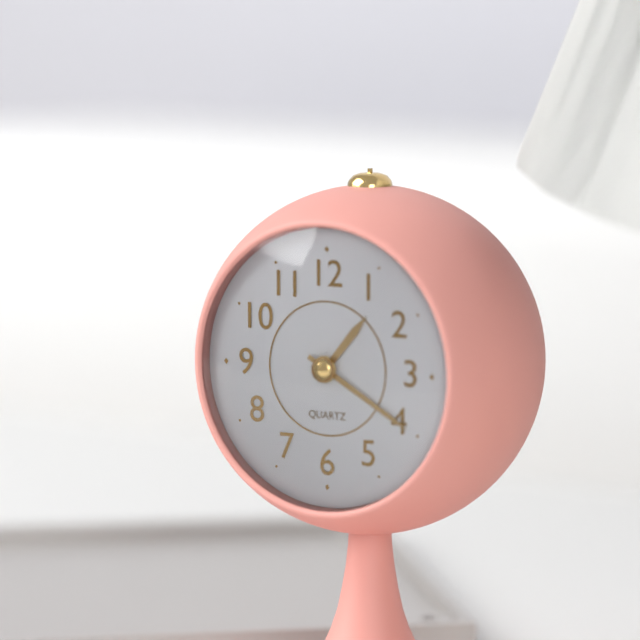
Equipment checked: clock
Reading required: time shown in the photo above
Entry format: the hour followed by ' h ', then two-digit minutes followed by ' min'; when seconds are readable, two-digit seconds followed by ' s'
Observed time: 1 h 20 min
